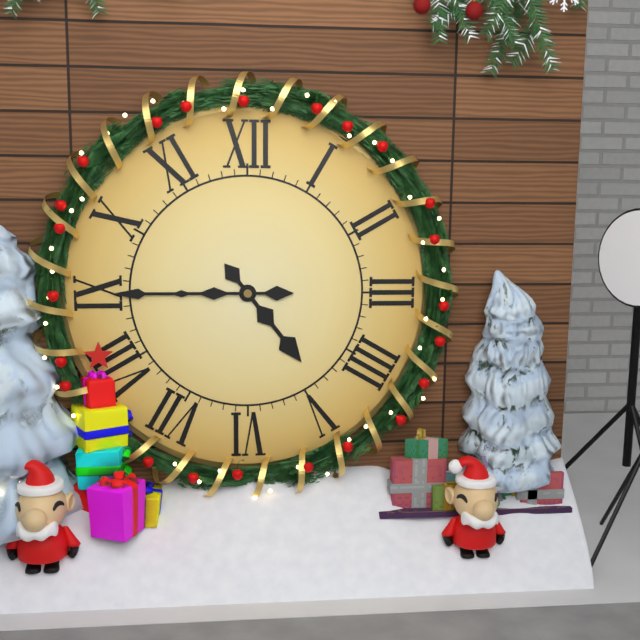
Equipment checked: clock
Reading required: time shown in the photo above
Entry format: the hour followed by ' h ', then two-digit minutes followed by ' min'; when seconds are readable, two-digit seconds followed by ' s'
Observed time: 4 h 45 min
